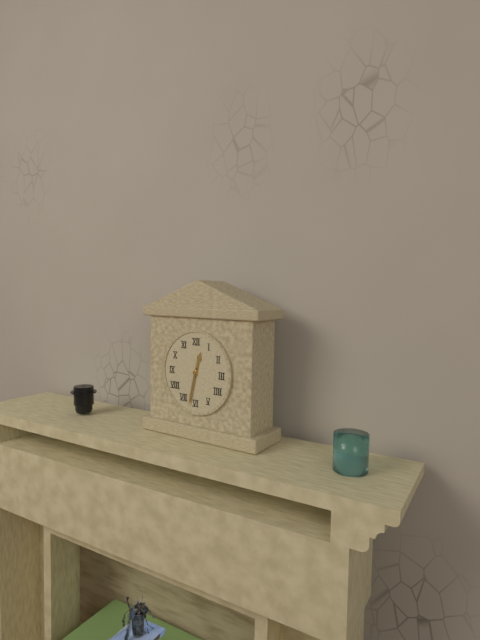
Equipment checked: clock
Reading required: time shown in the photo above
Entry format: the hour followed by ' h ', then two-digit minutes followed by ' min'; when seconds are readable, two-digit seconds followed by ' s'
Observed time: 12 h 32 min
